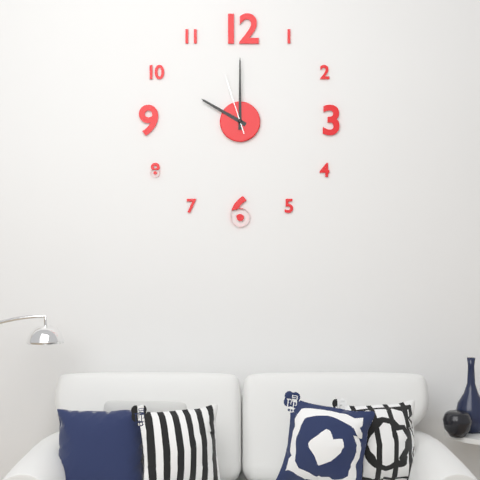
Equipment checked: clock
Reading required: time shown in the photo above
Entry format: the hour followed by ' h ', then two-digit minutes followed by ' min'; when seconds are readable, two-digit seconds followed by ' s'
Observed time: 10 h 00 min 57 s
